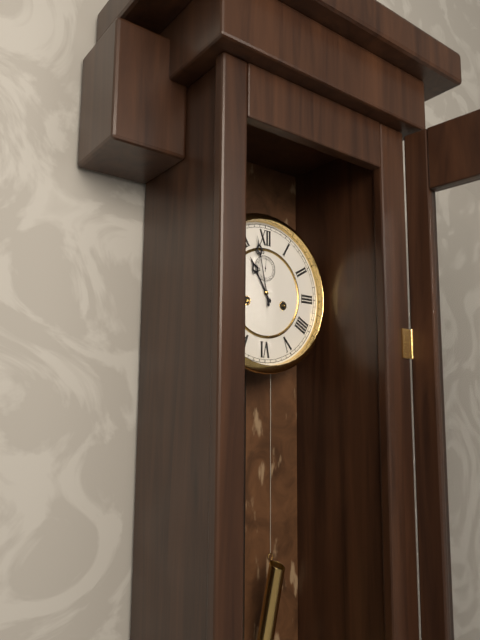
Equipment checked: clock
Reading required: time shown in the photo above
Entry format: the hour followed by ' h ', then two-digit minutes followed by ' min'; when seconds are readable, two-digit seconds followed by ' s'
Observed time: 10 h 58 min
